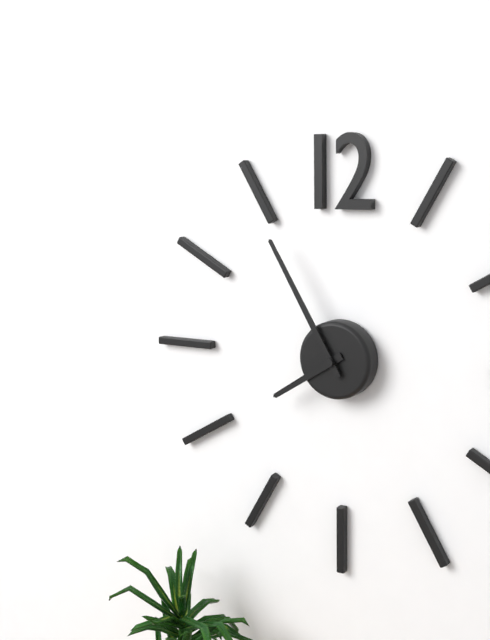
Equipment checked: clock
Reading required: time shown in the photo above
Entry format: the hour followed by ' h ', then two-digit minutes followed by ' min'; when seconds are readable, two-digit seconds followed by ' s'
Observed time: 7 h 55 min
